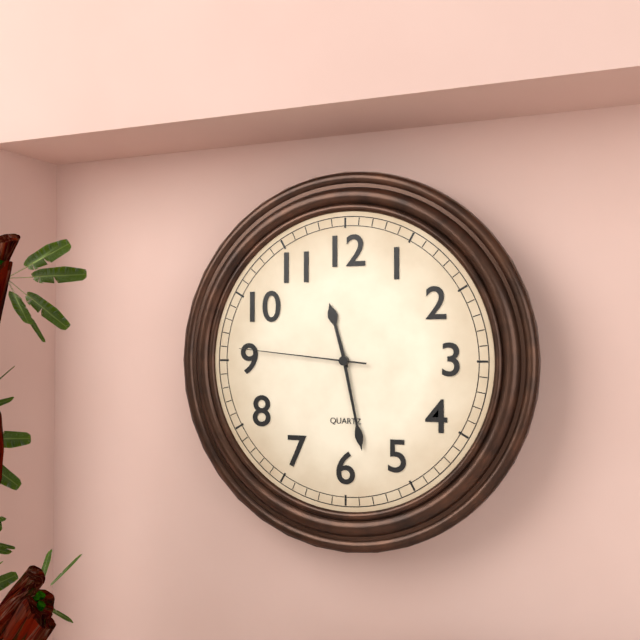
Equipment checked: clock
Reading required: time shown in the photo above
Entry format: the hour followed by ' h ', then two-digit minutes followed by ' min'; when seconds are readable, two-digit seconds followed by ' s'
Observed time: 11 h 28 min 46 s
